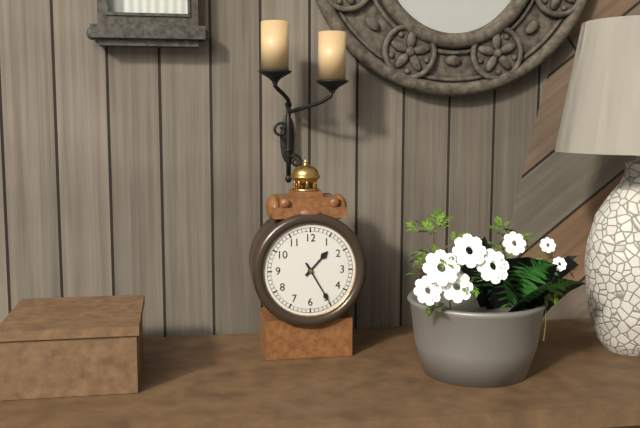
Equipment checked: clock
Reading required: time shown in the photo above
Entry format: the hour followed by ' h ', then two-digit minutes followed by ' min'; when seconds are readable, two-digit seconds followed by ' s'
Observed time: 1 h 25 min
